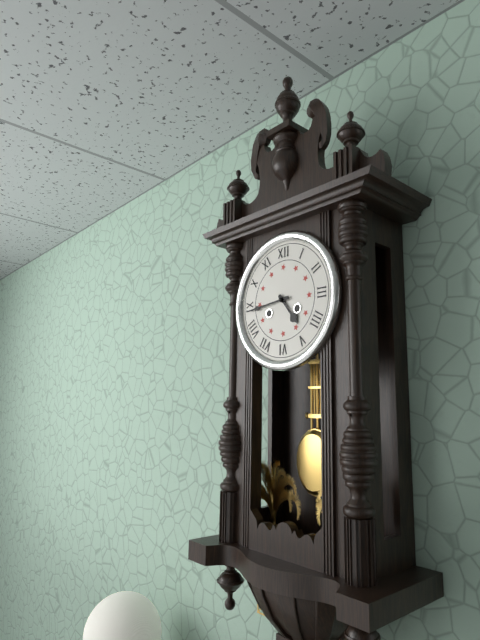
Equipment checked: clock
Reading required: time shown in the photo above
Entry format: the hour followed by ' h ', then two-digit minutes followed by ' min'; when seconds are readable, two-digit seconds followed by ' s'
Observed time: 4 h 44 min
